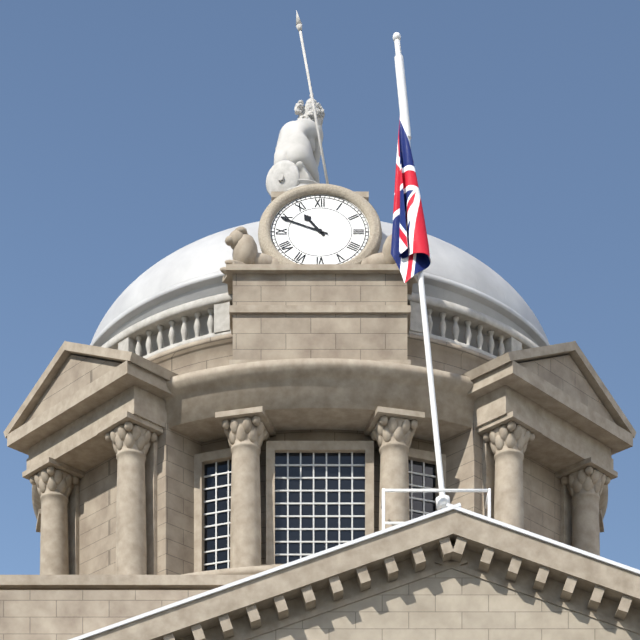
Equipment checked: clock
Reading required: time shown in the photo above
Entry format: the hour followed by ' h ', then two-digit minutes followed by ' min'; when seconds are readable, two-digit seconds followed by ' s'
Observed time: 10 h 49 min
